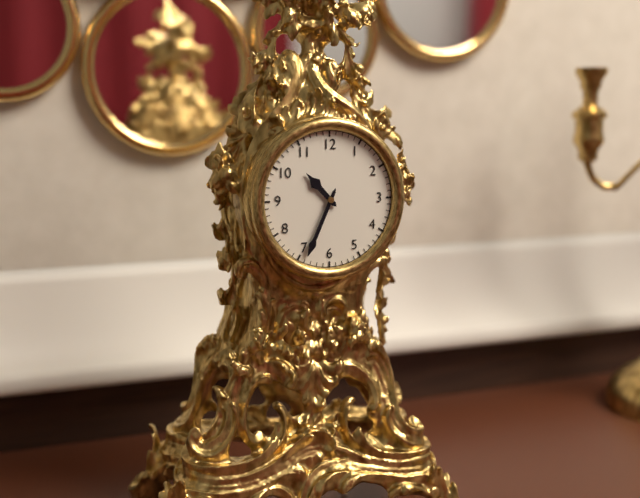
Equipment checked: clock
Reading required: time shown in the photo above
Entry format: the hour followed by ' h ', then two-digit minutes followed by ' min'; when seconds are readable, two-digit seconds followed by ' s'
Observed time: 10 h 34 min
